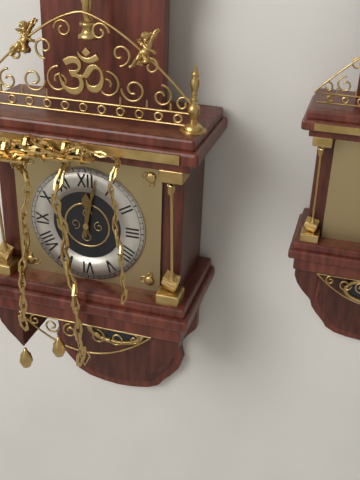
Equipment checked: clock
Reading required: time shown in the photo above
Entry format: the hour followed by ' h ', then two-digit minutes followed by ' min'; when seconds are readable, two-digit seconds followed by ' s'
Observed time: 12 h 02 min
